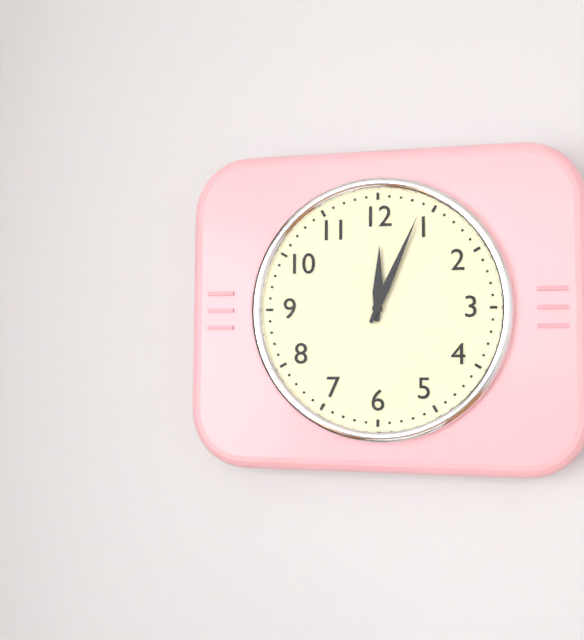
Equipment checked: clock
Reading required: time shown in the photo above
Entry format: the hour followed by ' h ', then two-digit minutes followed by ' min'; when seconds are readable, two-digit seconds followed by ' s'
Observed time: 12 h 04 min
